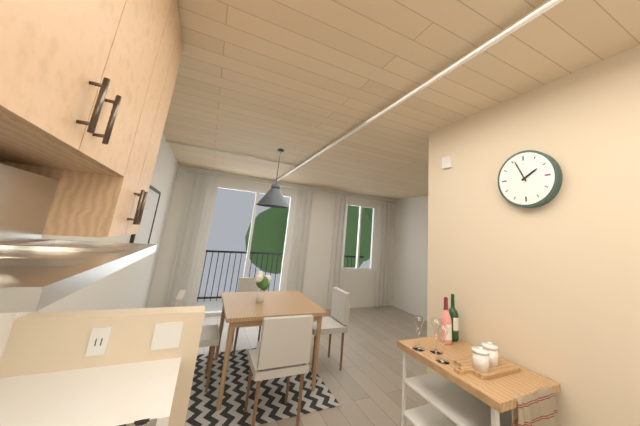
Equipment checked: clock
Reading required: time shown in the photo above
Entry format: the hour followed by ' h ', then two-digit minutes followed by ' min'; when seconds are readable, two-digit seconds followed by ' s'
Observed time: 1 h 56 min
